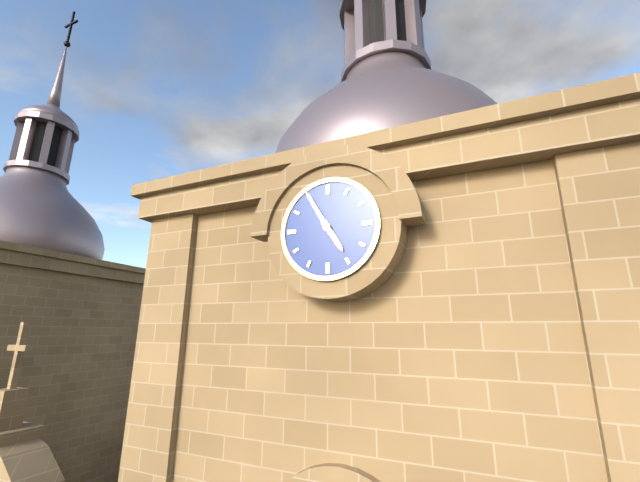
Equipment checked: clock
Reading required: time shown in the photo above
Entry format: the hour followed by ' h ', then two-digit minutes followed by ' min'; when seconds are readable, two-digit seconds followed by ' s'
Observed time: 4 h 55 min
